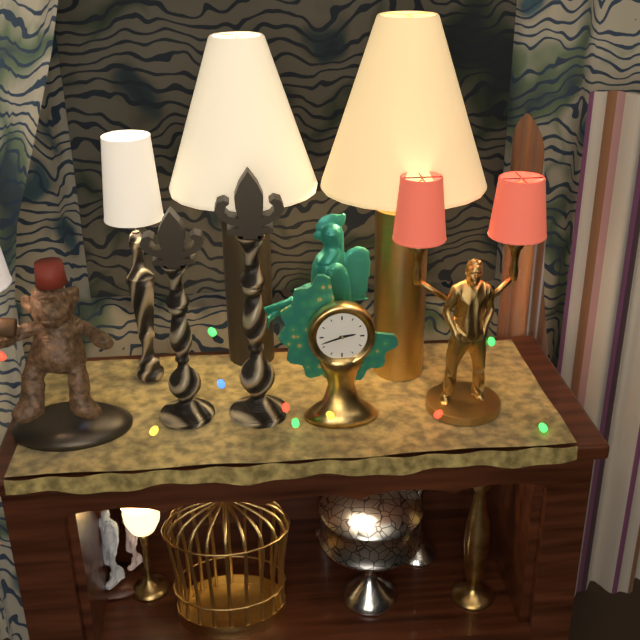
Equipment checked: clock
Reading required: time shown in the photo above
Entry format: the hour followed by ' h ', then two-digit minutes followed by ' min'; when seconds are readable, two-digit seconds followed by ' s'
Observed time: 2 h 42 min
